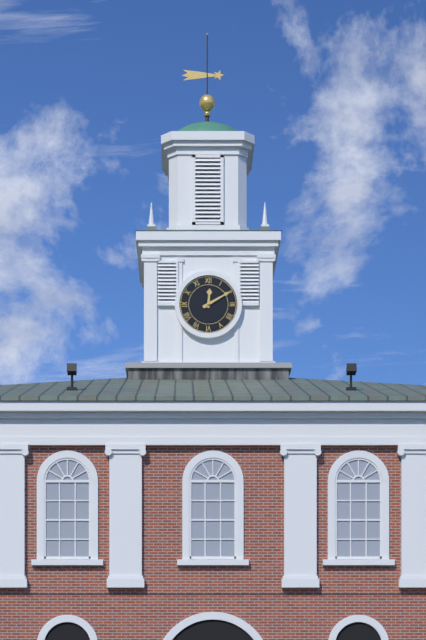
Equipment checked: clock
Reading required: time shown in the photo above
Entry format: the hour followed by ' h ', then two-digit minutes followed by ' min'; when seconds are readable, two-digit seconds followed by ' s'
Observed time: 12 h 10 min
